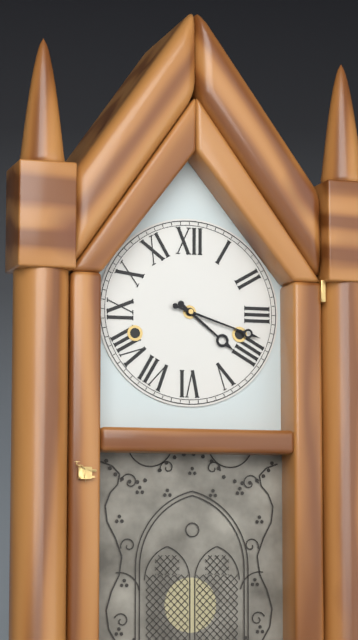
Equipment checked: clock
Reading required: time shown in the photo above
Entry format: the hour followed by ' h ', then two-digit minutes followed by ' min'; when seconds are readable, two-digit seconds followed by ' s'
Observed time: 4 h 18 min
